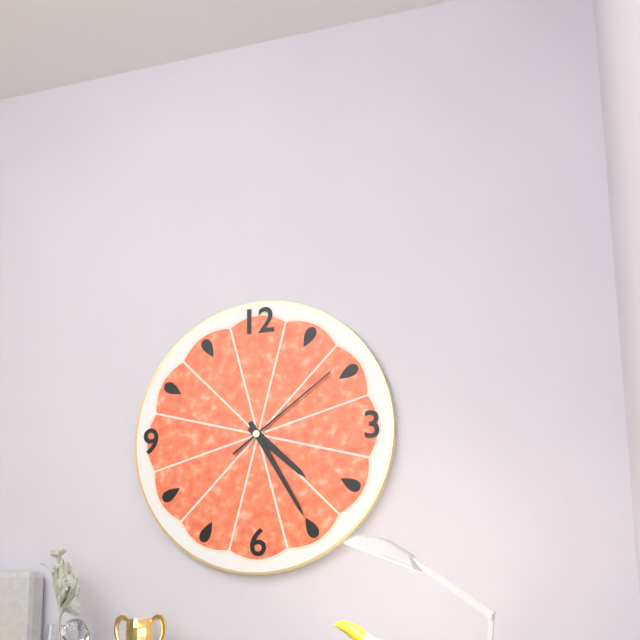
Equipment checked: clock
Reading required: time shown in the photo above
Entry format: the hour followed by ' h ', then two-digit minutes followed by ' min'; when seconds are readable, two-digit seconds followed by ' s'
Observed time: 4 h 25 min 09 s
